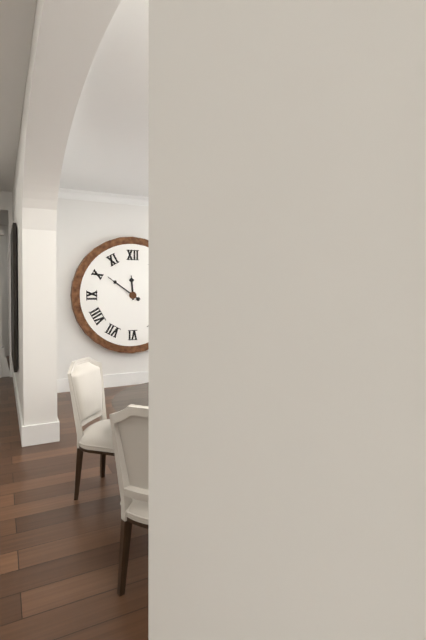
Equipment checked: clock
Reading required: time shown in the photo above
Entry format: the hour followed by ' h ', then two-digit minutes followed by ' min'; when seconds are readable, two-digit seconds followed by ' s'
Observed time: 11 h 51 min
